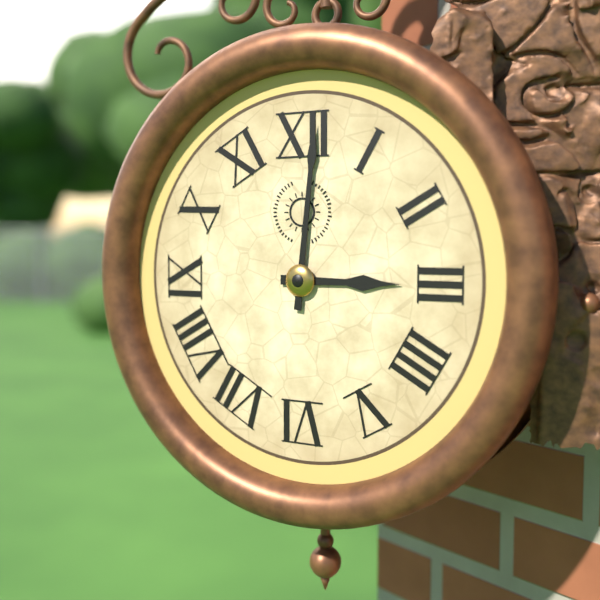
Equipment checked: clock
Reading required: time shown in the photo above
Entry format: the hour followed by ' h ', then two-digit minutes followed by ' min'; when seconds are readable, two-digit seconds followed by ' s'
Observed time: 3 h 01 min
